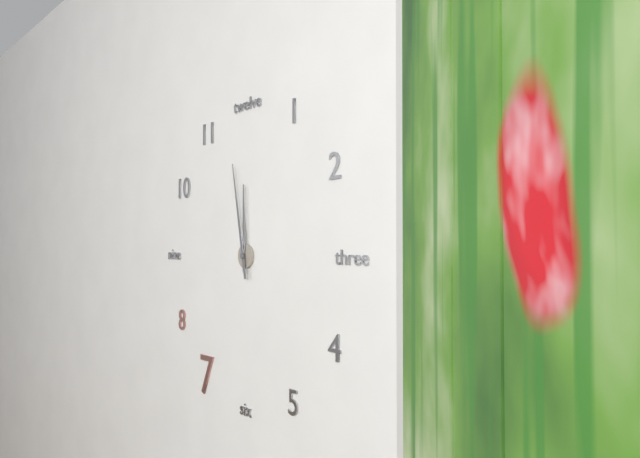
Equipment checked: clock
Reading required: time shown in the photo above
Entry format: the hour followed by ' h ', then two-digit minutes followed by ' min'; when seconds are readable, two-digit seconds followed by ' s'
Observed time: 11 h 58 min
